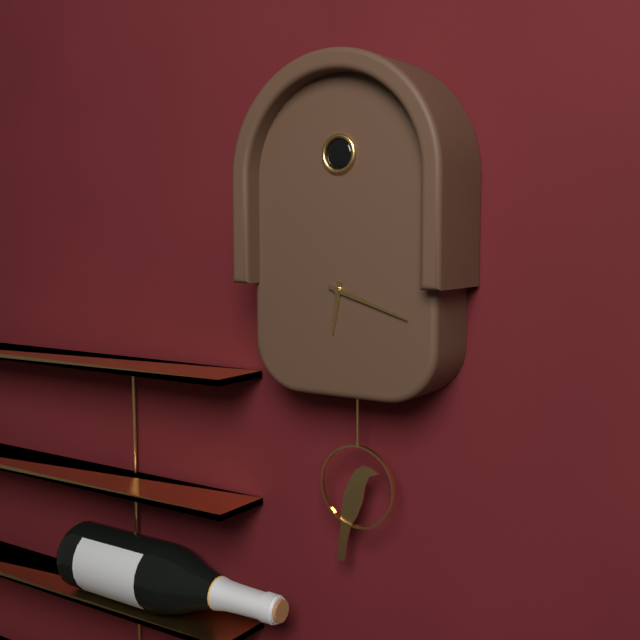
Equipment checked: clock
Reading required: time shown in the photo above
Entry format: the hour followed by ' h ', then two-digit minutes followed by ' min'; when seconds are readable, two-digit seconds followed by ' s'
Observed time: 6 h 18 min
